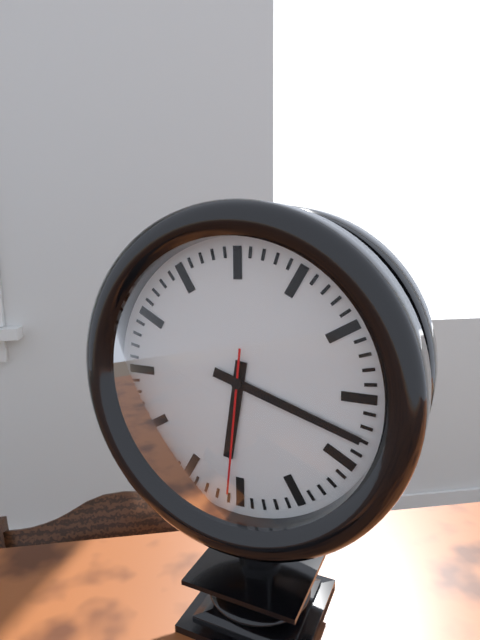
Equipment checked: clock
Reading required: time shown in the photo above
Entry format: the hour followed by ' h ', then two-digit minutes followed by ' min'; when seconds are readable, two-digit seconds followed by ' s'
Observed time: 6 h 18 min 31 s
